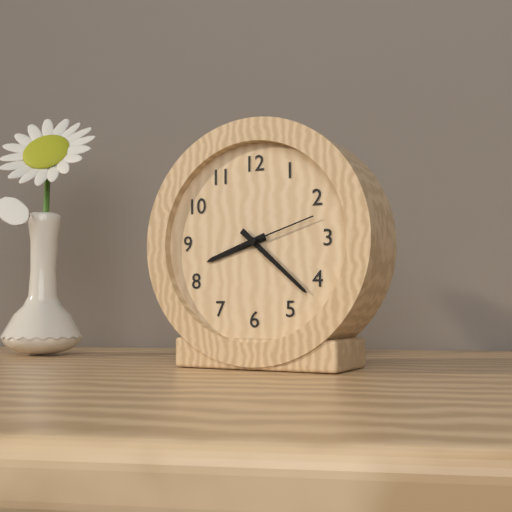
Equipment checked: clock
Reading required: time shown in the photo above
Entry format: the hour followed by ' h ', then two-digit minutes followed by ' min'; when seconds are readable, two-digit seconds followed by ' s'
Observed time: 8 h 22 min 12 s
